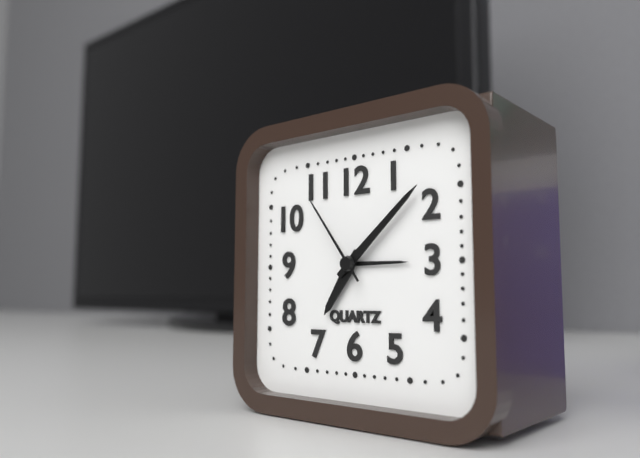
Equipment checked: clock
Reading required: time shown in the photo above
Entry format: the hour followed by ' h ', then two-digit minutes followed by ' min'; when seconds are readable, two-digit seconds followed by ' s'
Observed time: 7 h 08 min 54 s
